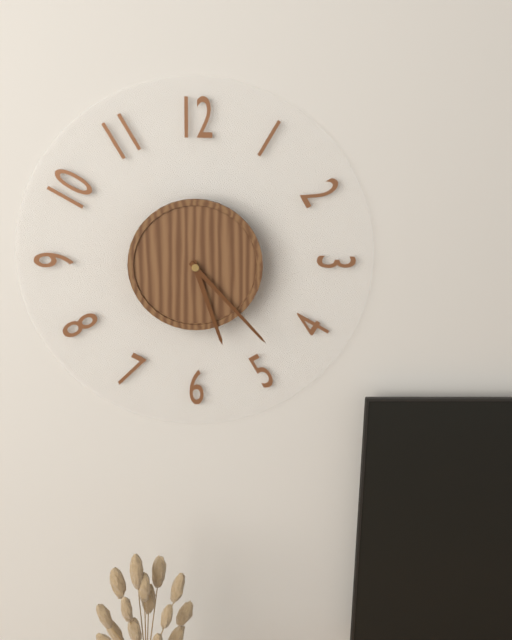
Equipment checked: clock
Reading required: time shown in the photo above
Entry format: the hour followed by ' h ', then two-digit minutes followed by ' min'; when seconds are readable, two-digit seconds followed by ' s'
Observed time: 5 h 23 min
